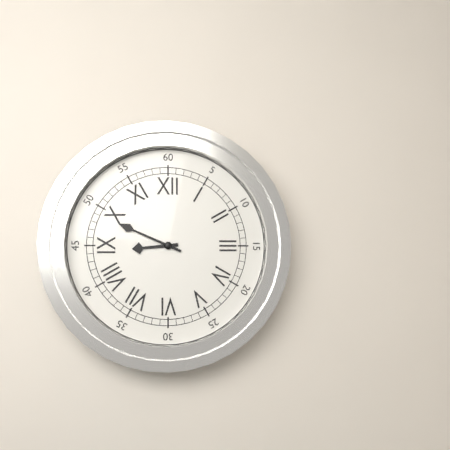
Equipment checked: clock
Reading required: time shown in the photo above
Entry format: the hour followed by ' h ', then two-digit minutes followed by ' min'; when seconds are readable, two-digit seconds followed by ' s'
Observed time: 8 h 49 min
